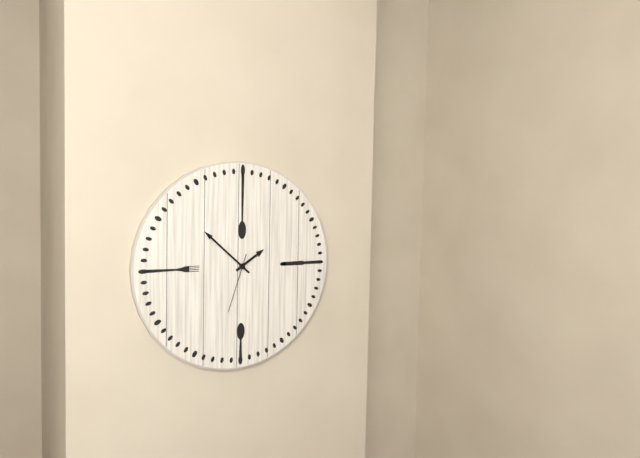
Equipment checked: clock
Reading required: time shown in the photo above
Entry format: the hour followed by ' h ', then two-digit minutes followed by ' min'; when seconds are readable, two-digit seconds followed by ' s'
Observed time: 1 h 52 min 33 s
